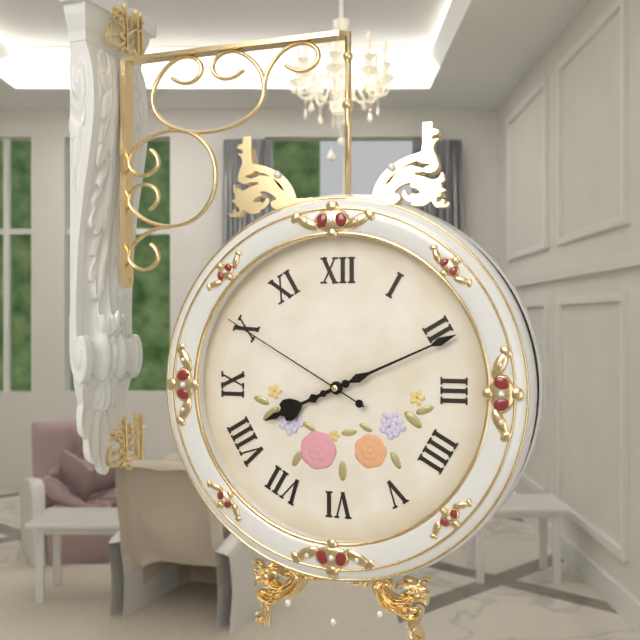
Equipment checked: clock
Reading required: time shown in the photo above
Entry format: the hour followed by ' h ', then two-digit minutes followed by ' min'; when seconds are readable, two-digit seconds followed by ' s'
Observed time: 8 h 11 min 50 s
